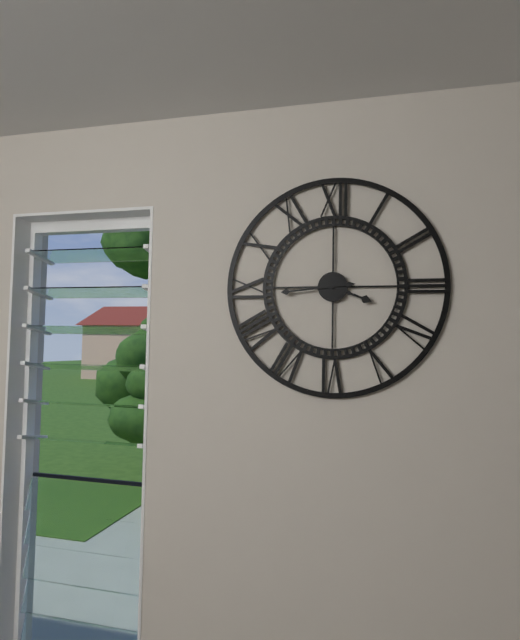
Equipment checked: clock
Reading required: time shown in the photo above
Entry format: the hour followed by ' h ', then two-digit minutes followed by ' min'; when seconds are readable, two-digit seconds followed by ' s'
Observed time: 3 h 44 min
